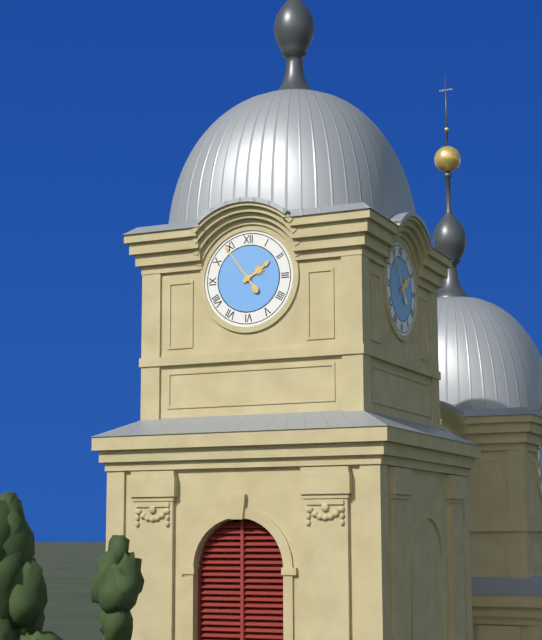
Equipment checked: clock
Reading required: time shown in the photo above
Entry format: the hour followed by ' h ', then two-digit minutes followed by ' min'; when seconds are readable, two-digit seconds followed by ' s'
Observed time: 1 h 54 min
